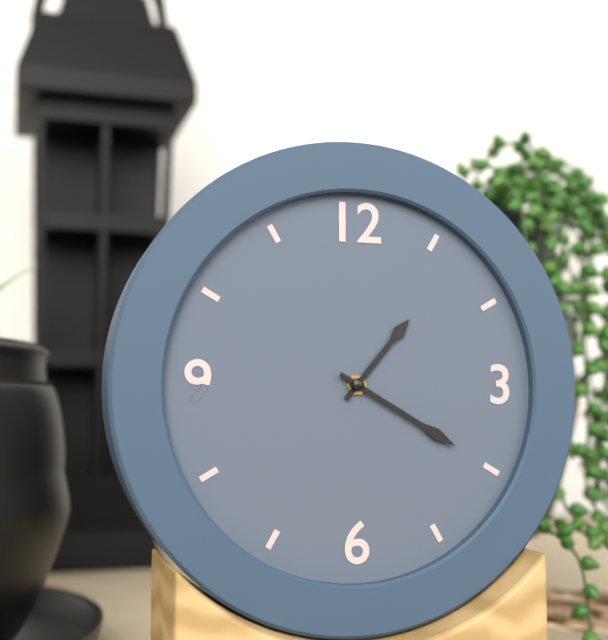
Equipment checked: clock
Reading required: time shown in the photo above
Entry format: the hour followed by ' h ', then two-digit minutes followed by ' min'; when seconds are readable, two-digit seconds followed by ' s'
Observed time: 1 h 20 min
